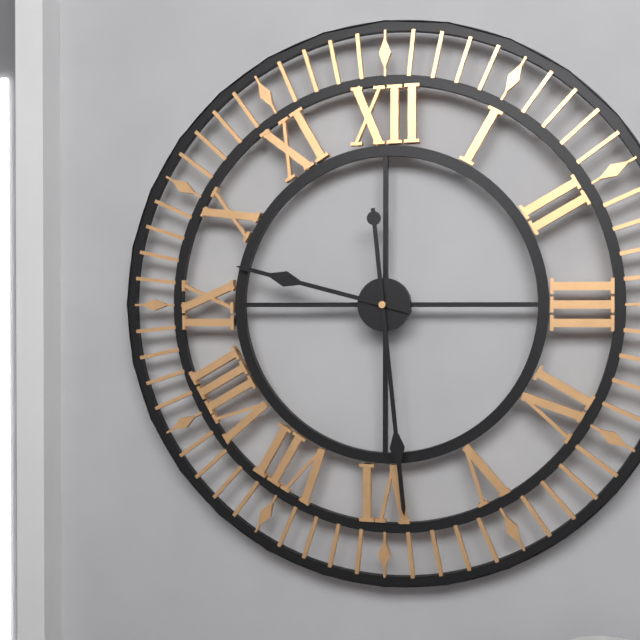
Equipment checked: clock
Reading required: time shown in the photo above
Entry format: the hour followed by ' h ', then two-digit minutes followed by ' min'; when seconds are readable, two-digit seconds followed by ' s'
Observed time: 9 h 29 min
